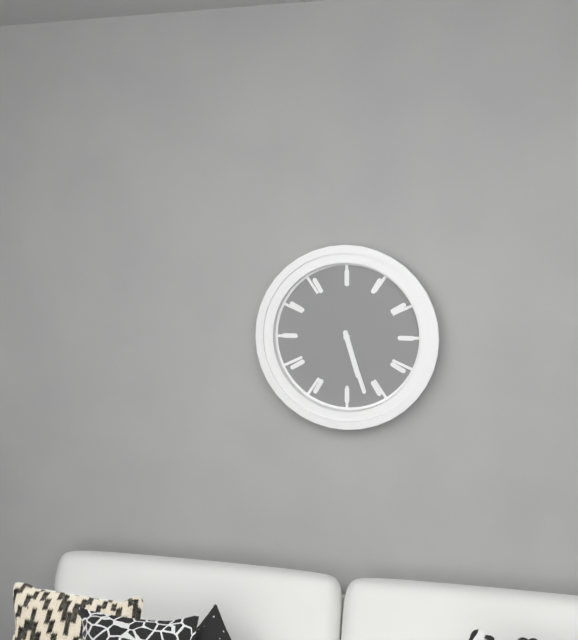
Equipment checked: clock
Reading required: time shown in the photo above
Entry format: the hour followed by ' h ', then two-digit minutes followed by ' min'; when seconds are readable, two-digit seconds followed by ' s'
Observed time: 5 h 27 min
